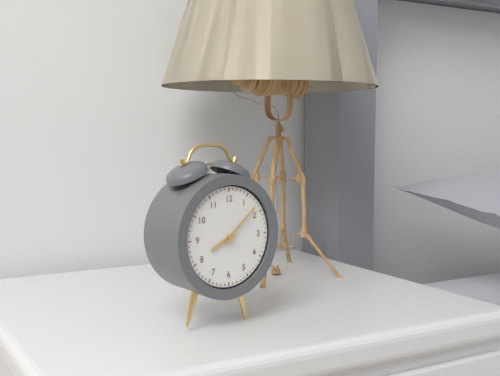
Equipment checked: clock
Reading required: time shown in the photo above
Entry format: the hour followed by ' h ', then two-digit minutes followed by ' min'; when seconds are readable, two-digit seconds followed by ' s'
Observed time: 8 h 08 min
